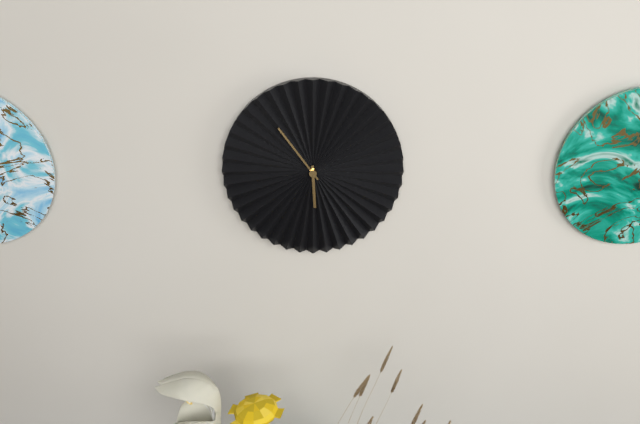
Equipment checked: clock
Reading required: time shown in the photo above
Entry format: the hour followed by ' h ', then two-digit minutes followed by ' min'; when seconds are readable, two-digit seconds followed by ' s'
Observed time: 5 h 54 min
